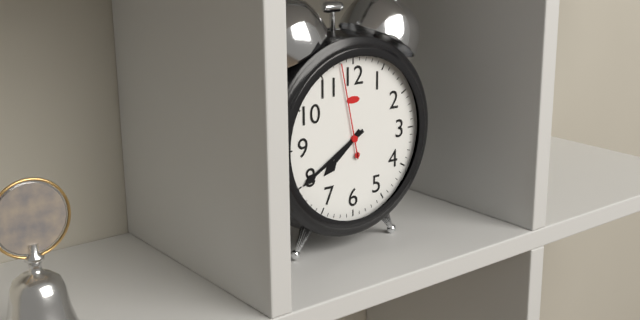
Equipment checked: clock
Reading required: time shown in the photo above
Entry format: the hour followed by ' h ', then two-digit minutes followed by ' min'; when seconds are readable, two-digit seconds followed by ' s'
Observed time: 7 h 40 min 58 s
